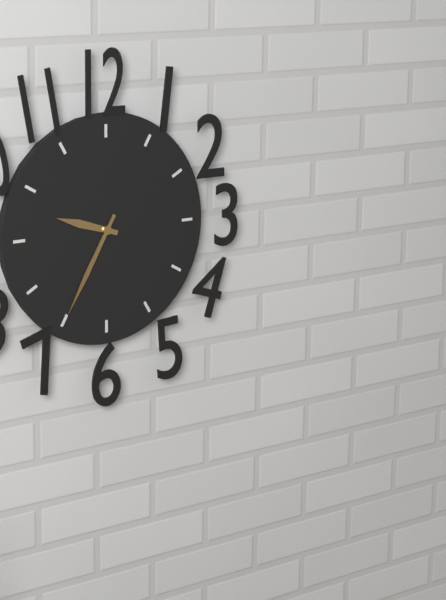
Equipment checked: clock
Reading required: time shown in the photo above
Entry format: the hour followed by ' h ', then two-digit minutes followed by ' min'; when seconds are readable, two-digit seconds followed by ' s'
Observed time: 9 h 35 min
